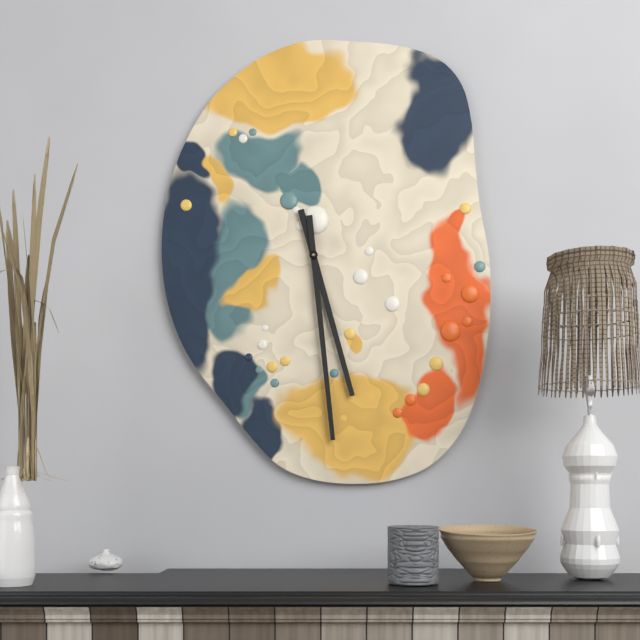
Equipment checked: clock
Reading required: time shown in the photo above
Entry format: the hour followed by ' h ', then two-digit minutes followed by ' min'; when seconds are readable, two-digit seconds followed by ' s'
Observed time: 5 h 29 min
